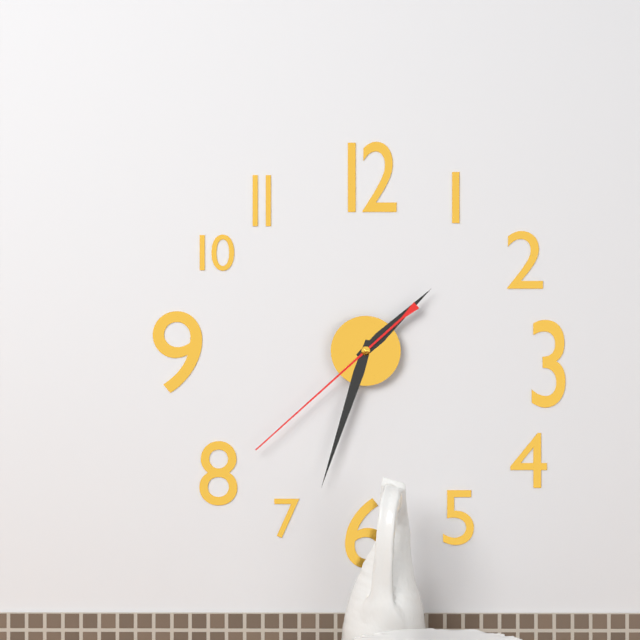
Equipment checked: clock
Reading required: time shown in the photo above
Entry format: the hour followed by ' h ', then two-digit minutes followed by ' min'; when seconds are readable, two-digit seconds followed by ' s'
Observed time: 1 h 33 min 38 s
